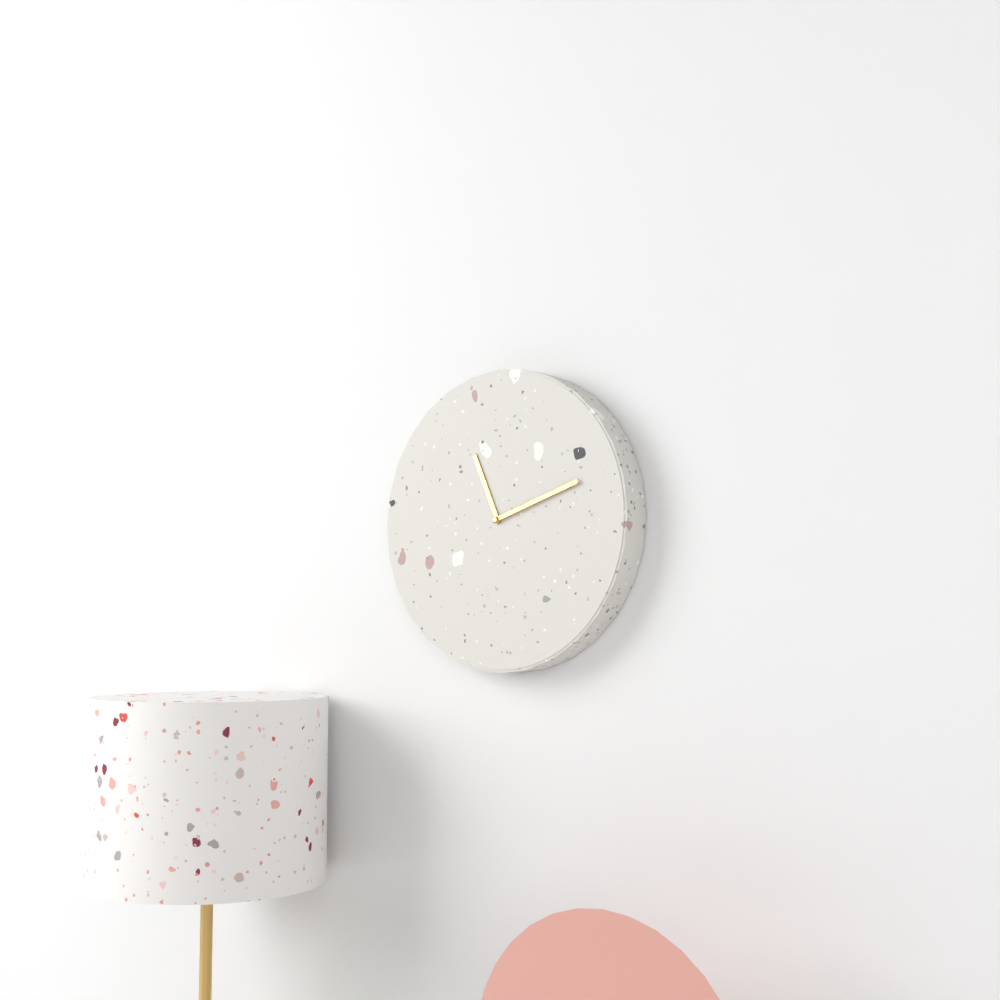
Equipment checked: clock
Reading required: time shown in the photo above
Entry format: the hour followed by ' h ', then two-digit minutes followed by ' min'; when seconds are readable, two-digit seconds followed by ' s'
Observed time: 11 h 12 min
